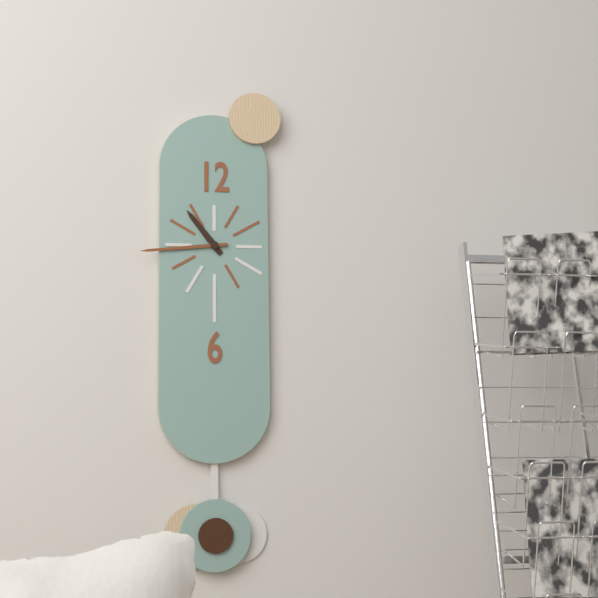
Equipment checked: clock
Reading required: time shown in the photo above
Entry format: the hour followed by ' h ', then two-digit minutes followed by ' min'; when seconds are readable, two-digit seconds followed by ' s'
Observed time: 10 h 44 min
